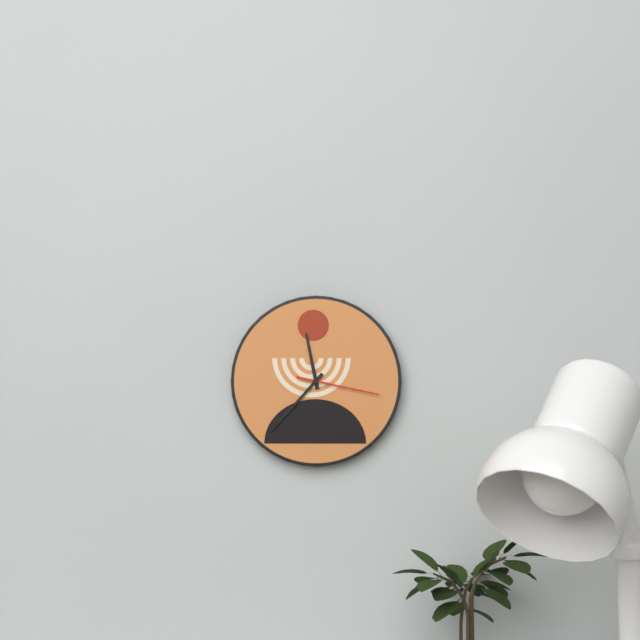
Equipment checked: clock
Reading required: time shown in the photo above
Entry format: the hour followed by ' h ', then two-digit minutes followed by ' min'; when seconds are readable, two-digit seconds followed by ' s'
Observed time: 11 h 37 min 17 s
